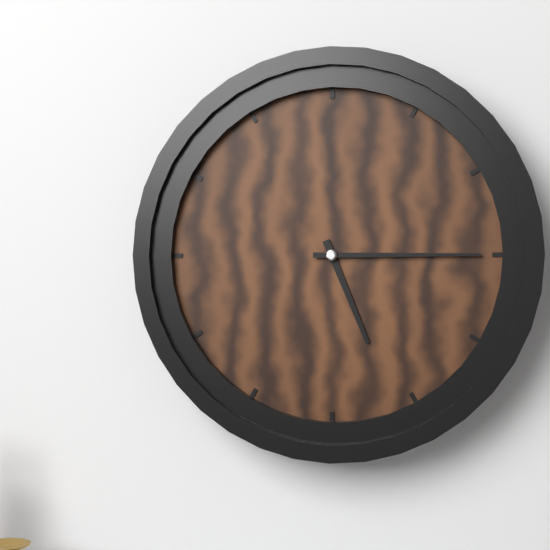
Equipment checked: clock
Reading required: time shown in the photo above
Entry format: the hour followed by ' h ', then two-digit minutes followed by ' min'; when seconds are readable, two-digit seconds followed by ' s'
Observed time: 5 h 15 min
